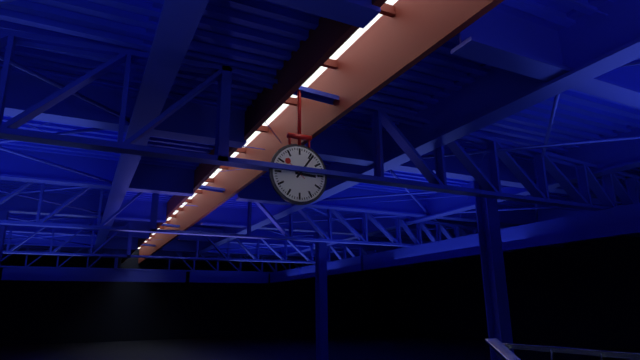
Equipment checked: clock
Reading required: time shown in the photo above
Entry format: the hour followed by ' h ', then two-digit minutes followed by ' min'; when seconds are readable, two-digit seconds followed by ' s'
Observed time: 3 h 06 min
